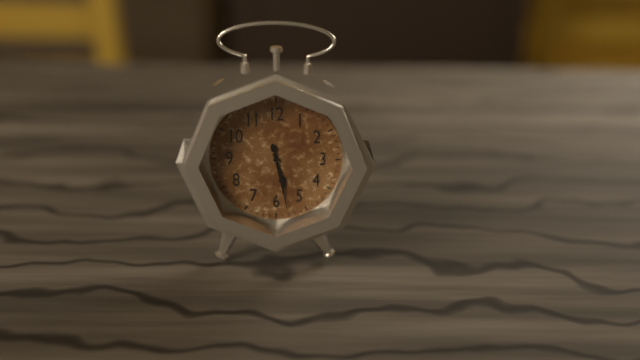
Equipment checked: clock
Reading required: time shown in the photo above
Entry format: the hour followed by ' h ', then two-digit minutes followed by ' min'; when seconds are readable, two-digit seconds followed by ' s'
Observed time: 5 h 28 min
